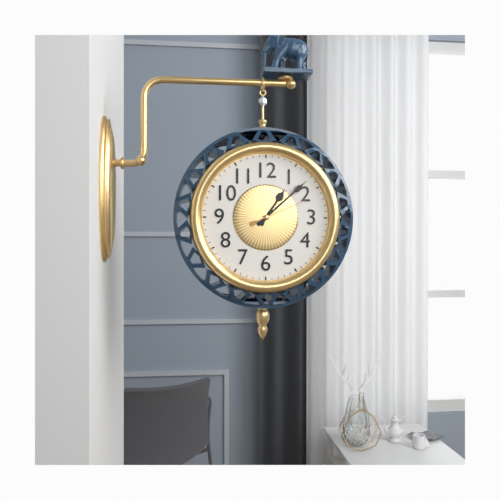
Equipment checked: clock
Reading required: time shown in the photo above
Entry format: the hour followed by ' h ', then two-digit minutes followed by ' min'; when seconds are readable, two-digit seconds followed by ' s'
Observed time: 1 h 08 min 11 s
